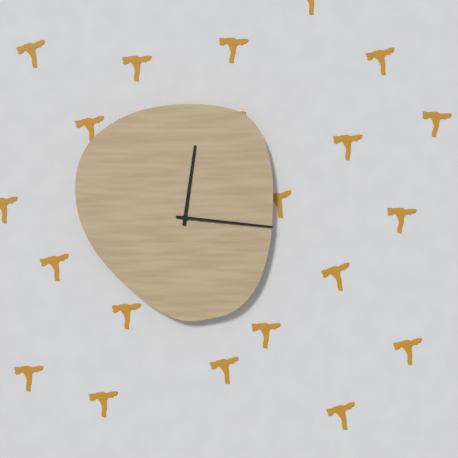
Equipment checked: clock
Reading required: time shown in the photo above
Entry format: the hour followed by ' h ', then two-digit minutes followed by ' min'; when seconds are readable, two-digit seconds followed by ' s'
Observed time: 12 h 16 min
